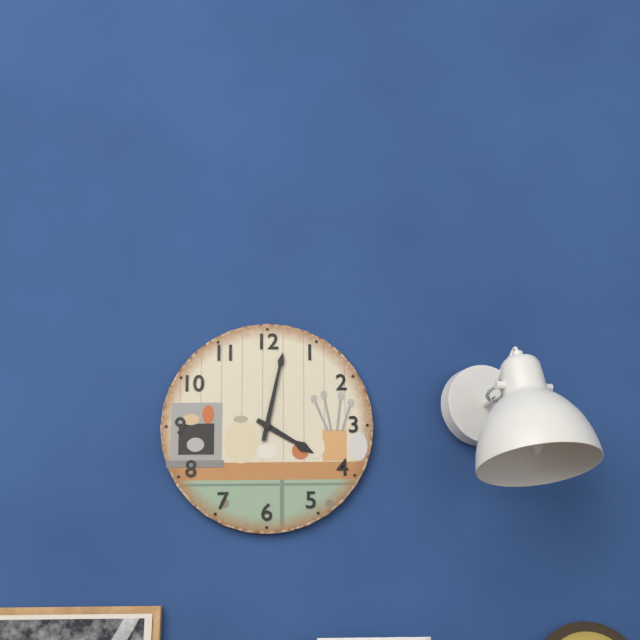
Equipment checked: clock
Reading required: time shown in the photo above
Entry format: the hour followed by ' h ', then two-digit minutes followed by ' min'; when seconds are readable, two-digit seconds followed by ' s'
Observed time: 4 h 02 min
